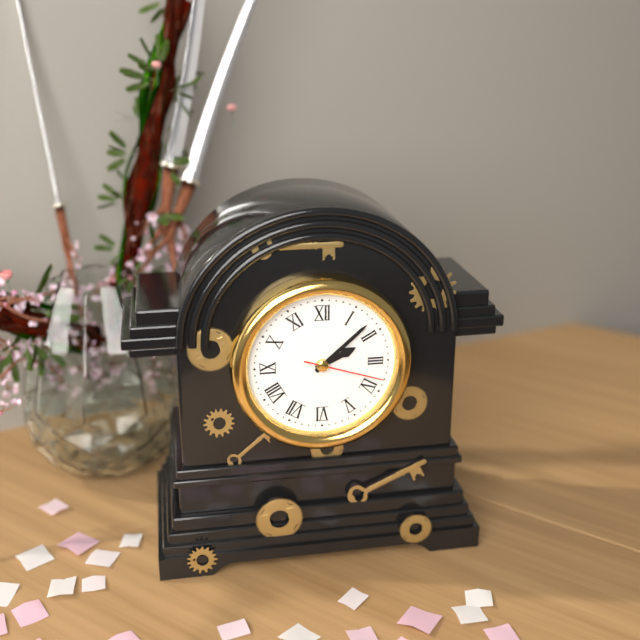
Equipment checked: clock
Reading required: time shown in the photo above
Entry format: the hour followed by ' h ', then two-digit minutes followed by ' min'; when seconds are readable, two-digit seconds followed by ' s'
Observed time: 2 h 08 min 18 s
